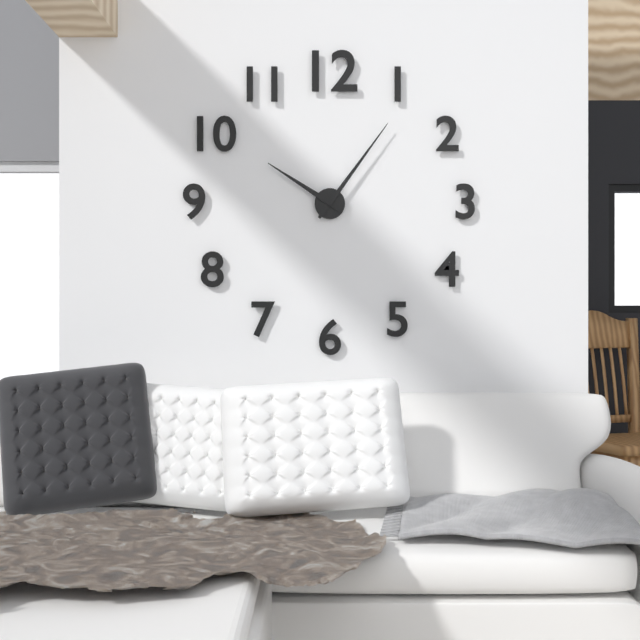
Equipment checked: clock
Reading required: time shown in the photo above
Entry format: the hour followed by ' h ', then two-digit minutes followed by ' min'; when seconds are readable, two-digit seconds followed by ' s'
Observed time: 10 h 06 min
